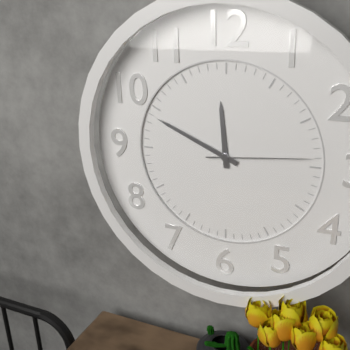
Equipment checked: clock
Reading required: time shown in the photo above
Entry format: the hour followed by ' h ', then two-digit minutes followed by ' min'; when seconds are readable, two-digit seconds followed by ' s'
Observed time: 11 h 49 min 14 s
